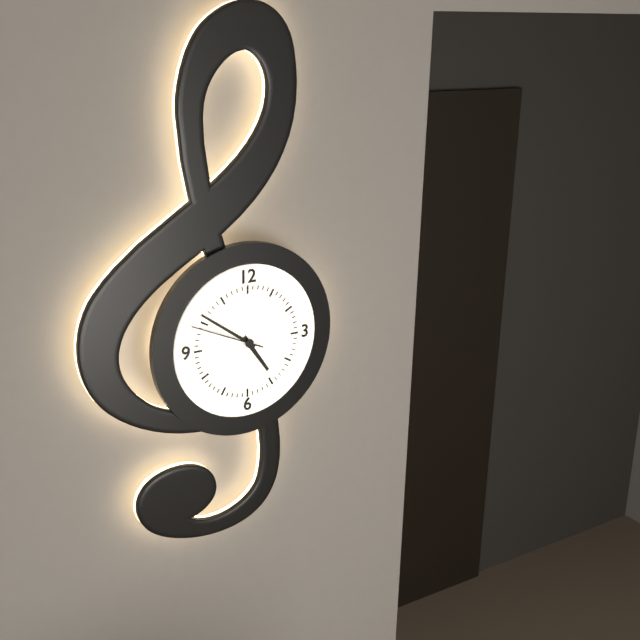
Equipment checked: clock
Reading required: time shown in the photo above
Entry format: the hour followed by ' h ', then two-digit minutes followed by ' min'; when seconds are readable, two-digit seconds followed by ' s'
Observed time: 4 h 51 min 49 s
